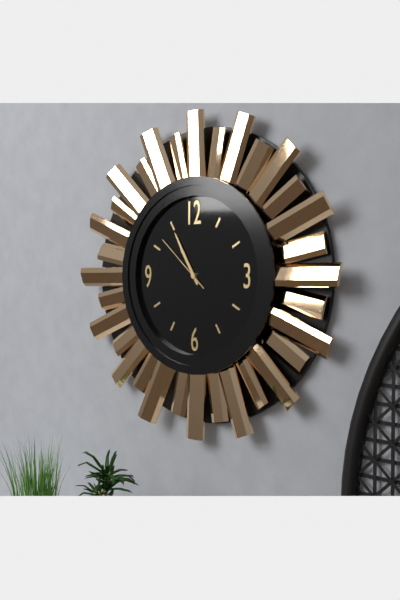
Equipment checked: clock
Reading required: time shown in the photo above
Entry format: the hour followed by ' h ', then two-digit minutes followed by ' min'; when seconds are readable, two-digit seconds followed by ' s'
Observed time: 10 h 55 min 52 s
